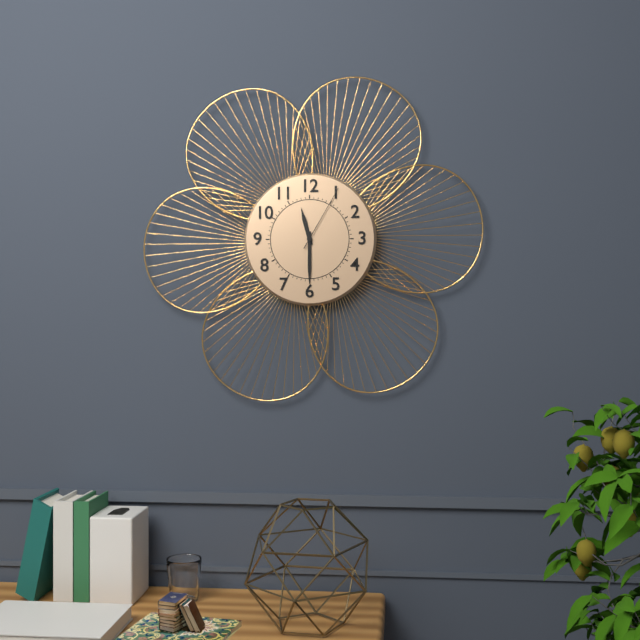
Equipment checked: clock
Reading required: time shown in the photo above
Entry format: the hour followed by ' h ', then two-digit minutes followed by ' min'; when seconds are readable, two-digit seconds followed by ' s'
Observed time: 11 h 30 min 05 s
